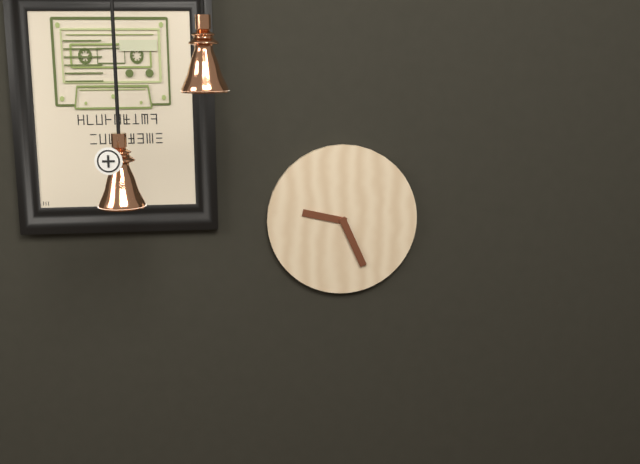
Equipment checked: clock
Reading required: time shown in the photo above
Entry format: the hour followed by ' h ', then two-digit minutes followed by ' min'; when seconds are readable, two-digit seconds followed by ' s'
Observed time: 9 h 26 min
